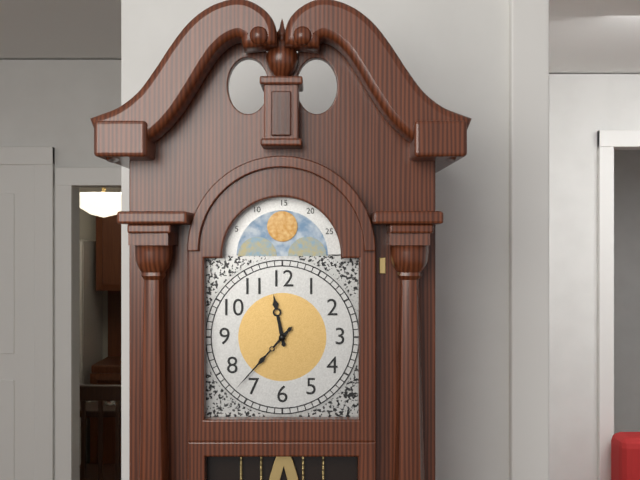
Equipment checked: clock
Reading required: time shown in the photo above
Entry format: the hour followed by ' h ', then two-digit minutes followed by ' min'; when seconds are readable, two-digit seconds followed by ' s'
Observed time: 11 h 37 min
